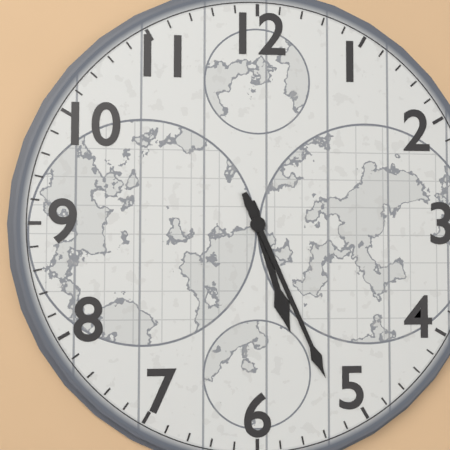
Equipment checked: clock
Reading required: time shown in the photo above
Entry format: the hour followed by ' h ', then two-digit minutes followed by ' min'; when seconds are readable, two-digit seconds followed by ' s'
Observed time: 5 h 26 min
